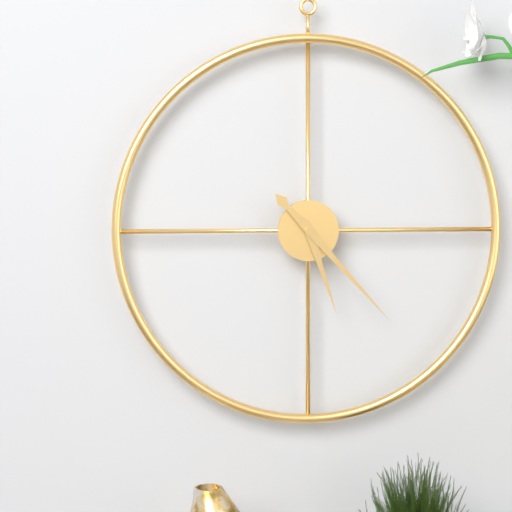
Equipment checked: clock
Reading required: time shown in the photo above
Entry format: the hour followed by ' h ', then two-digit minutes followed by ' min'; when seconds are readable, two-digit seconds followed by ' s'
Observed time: 5 h 23 min
